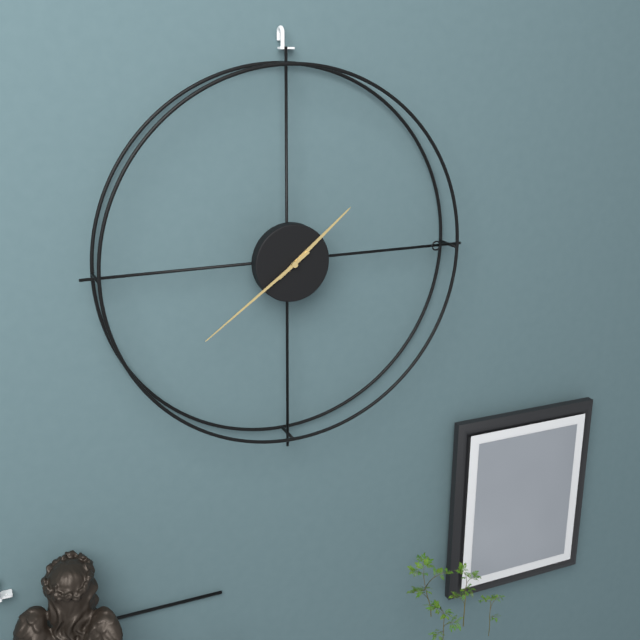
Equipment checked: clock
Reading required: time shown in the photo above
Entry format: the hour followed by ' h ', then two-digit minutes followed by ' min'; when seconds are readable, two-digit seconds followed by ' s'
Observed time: 1 h 39 min
